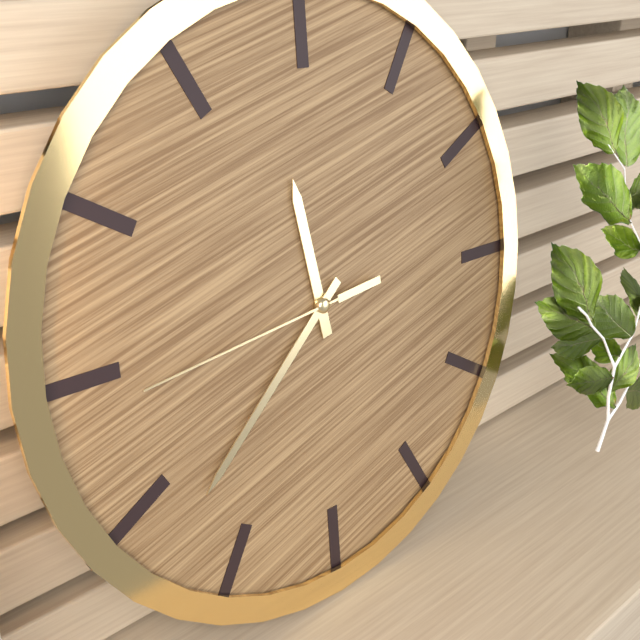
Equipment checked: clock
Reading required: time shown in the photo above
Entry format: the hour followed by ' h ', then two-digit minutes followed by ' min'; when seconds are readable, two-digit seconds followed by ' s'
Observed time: 11 h 38 min 44 s
